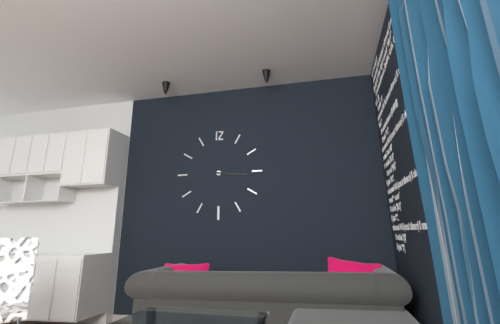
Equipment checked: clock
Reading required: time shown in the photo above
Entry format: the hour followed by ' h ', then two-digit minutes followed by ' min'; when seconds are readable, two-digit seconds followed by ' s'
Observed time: 3 h 16 min
